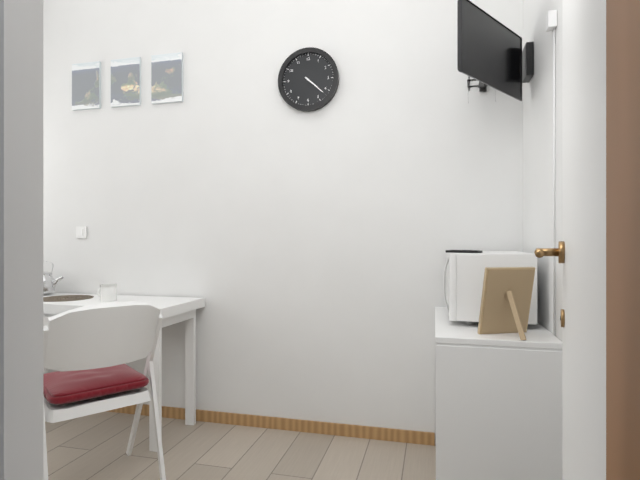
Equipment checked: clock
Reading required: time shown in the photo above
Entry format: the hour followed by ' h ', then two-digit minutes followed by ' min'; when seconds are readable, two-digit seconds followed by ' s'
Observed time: 4 h 22 min
